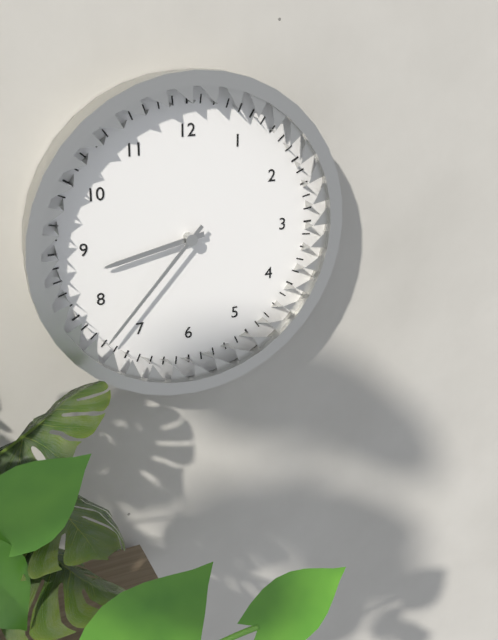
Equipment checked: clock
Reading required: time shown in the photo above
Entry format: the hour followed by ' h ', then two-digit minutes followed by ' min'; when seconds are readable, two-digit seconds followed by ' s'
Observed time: 8 h 37 min
